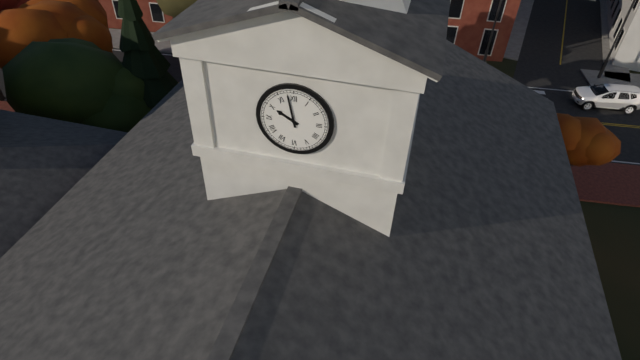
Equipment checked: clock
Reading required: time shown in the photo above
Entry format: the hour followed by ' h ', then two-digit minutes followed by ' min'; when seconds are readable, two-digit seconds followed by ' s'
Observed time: 9 h 58 min
